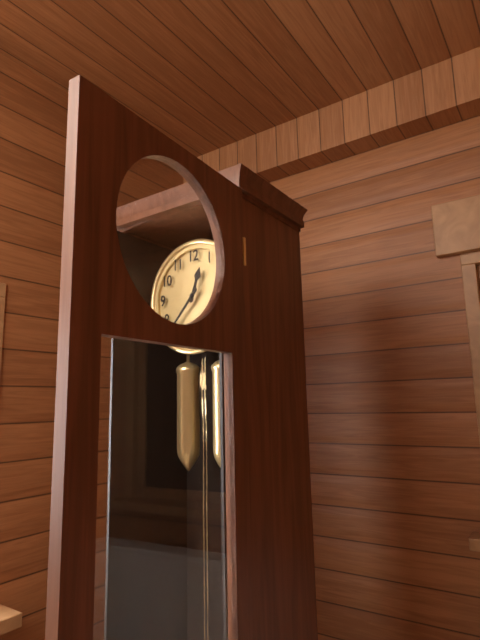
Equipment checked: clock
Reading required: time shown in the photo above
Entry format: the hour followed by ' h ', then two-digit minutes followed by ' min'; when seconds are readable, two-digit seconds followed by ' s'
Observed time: 12 h 37 min
